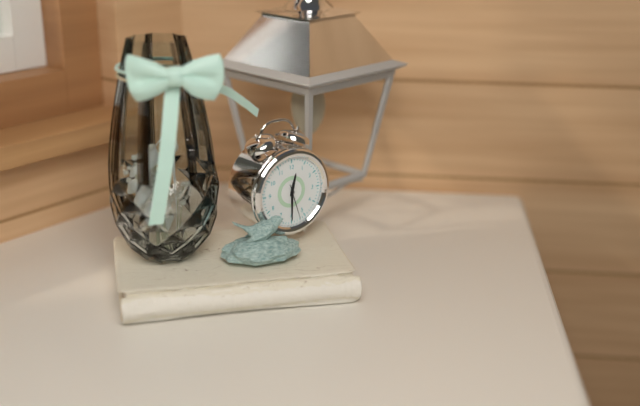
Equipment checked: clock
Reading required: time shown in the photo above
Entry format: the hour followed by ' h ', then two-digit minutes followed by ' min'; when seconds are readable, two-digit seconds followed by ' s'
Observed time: 12 h 30 min
